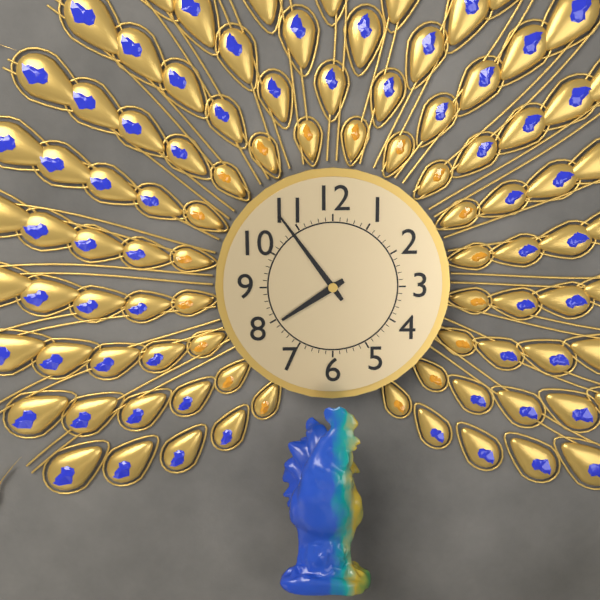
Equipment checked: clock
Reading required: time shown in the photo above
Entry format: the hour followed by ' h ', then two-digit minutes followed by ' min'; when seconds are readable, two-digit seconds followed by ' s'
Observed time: 7 h 54 min
